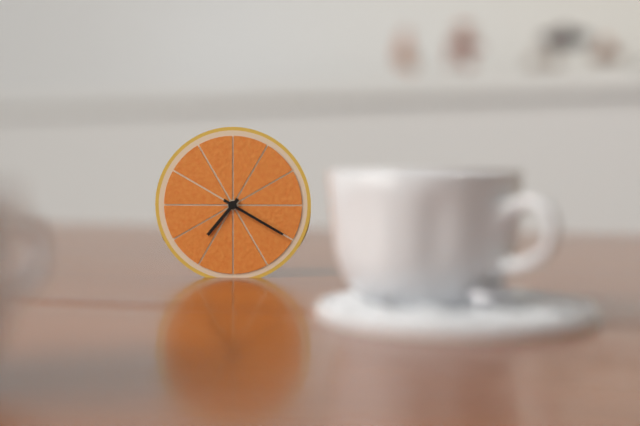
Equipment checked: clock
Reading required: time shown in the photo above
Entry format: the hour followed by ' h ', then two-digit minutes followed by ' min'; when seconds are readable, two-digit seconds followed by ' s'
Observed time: 7 h 20 min
